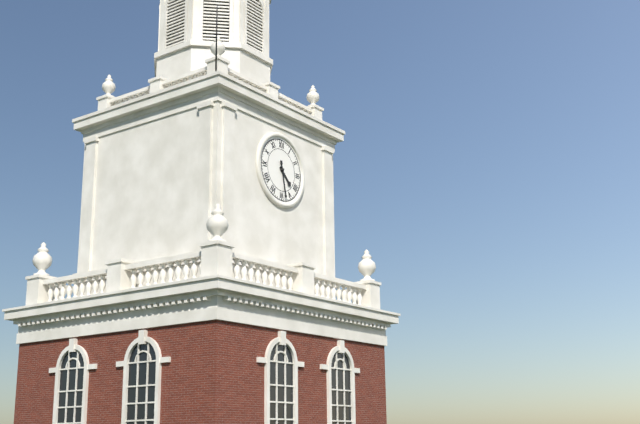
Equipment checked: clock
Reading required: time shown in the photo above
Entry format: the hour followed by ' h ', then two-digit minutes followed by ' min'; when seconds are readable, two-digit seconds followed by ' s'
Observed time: 4 h 28 min
